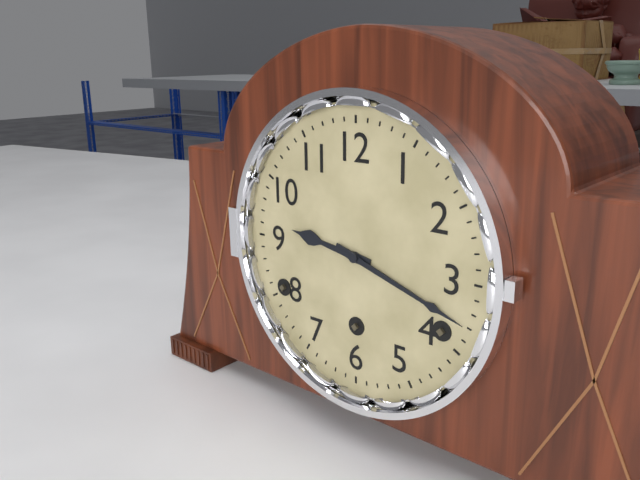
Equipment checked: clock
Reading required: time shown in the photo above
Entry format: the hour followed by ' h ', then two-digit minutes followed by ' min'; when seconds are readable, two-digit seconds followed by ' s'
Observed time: 9 h 18 min
